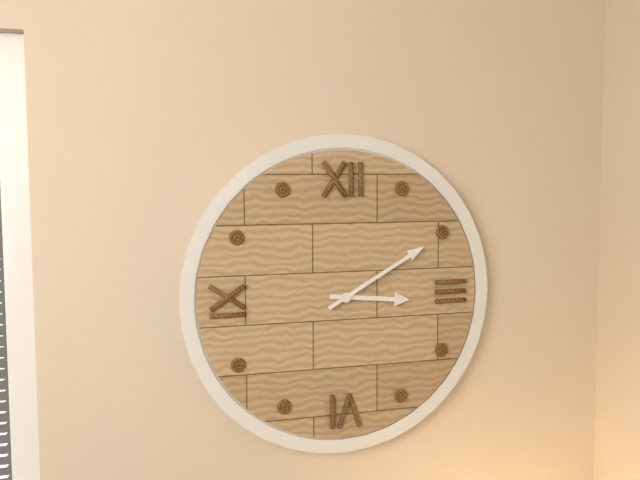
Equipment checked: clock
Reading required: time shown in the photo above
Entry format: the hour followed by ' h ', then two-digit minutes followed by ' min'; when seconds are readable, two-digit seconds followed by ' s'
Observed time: 3 h 10 min
